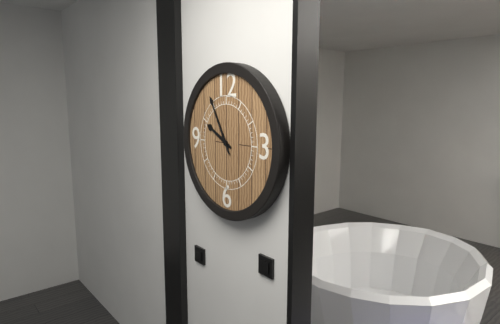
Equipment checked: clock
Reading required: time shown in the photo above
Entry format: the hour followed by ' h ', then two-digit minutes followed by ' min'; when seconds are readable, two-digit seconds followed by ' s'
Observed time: 9 h 55 min
